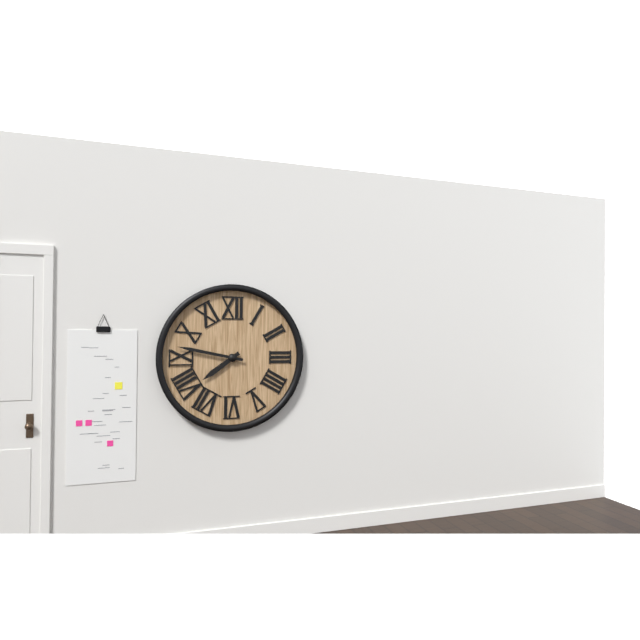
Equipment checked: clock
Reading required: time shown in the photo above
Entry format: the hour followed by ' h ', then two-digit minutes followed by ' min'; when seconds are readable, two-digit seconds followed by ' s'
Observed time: 7 h 47 min
